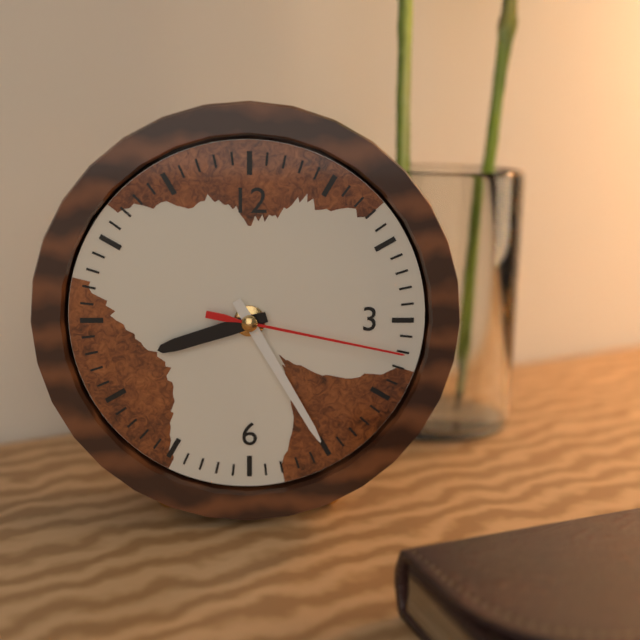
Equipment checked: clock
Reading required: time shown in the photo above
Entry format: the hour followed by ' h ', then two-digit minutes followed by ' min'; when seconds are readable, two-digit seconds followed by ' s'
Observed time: 8 h 25 min 17 s
